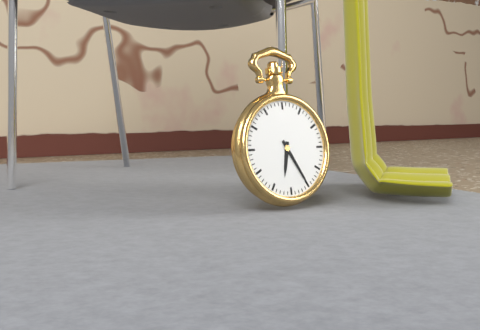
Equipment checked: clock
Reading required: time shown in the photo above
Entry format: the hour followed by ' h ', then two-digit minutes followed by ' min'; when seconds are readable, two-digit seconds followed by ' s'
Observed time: 6 h 25 min
